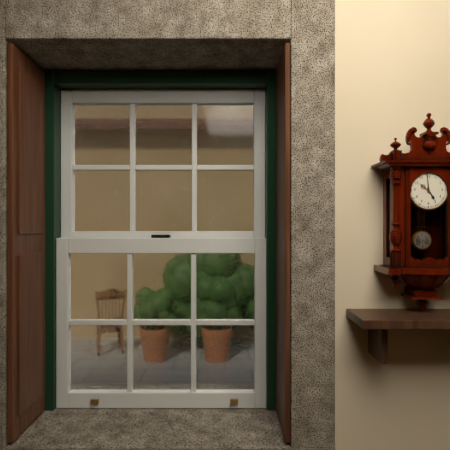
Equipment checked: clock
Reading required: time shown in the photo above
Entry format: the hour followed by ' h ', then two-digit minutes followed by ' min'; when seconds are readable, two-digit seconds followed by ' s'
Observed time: 4 h 59 min
